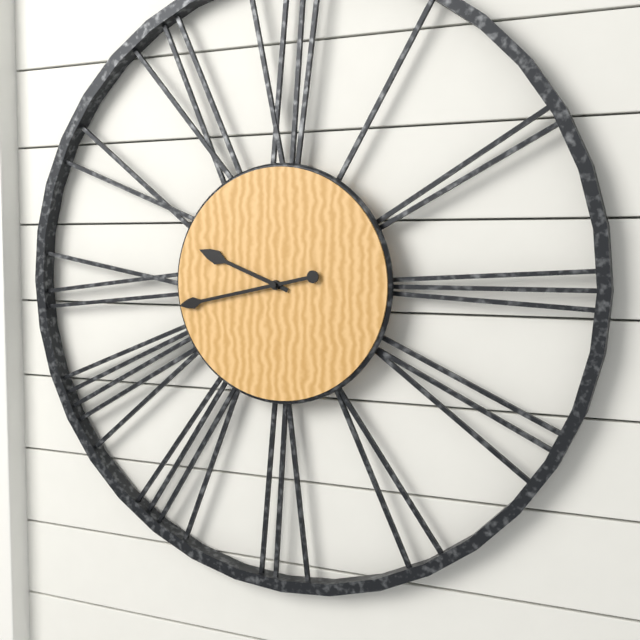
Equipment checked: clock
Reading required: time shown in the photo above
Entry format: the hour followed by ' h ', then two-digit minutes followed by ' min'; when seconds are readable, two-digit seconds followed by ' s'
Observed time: 9 h 43 min
